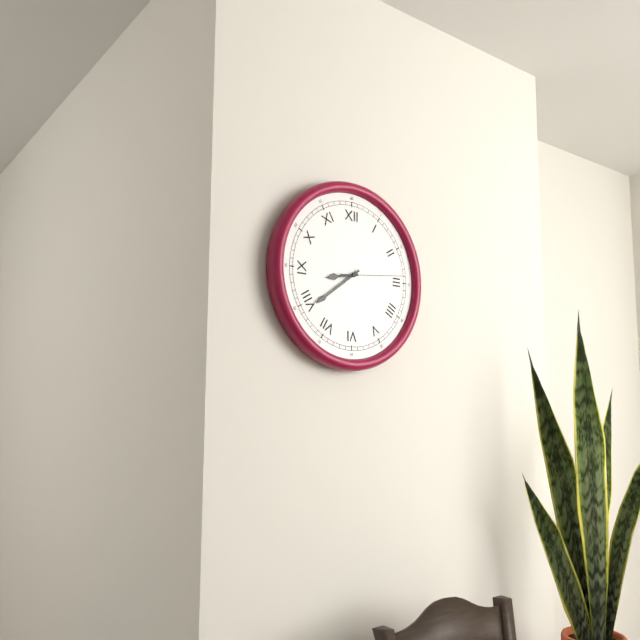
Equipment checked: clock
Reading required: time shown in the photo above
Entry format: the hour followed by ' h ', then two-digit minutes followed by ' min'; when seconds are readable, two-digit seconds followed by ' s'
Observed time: 8 h 39 min 14 s
